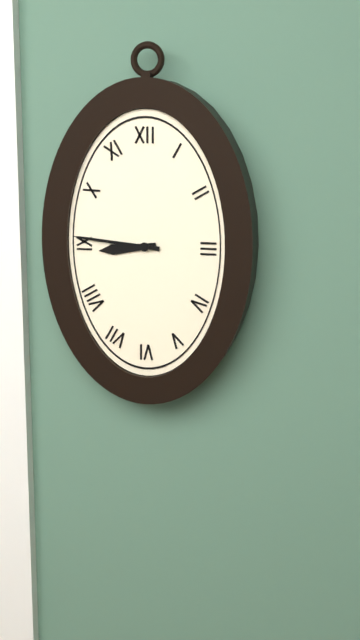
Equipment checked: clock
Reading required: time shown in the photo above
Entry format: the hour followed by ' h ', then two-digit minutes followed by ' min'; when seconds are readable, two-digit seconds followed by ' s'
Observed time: 8 h 46 min
